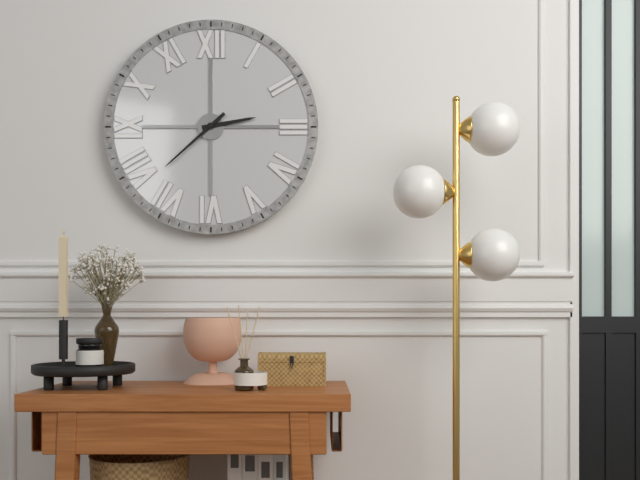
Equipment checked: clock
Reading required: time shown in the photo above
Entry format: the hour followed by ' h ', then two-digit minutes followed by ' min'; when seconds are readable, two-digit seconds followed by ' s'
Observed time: 2 h 38 min
